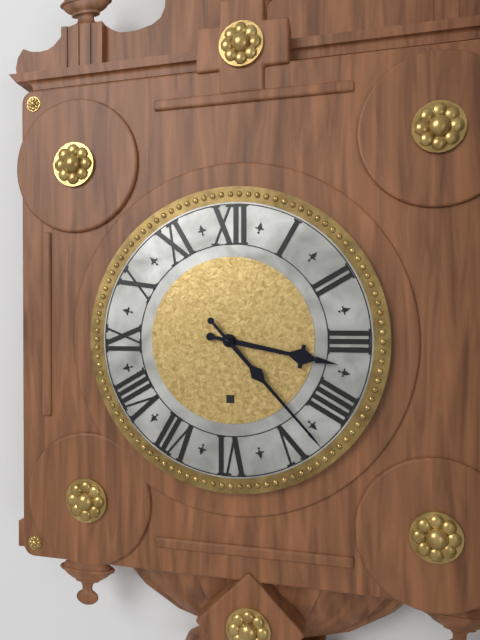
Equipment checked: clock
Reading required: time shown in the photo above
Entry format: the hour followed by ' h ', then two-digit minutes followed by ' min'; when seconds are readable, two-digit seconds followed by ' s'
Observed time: 3 h 23 min
